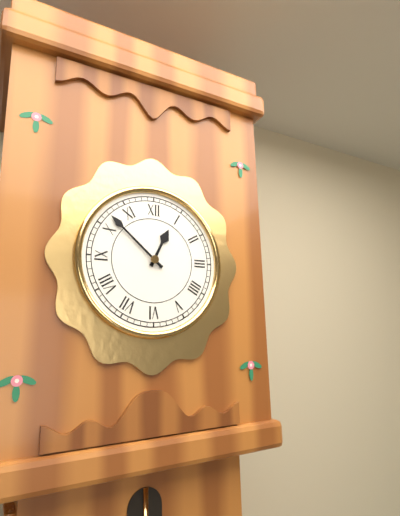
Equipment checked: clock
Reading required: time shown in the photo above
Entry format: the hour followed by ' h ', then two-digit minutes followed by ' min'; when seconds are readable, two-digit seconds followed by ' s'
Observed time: 12 h 52 min
